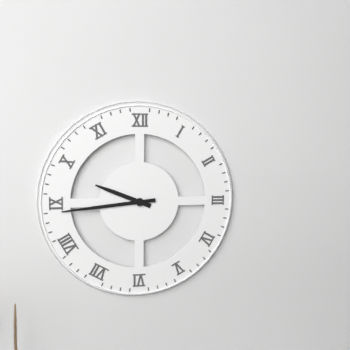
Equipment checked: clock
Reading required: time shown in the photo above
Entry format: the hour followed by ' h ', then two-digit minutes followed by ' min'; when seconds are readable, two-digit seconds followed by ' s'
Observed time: 9 h 44 min
